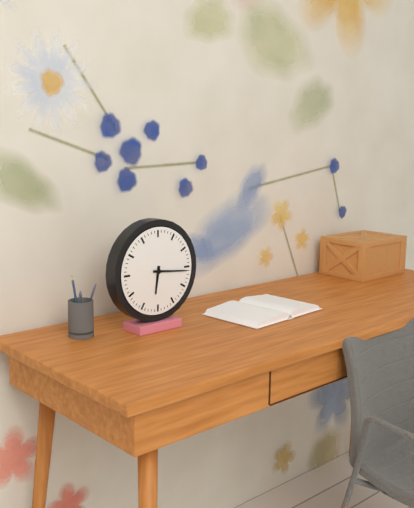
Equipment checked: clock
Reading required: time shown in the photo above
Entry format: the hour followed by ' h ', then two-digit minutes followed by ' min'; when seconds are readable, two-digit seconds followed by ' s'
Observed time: 6 h 16 min
